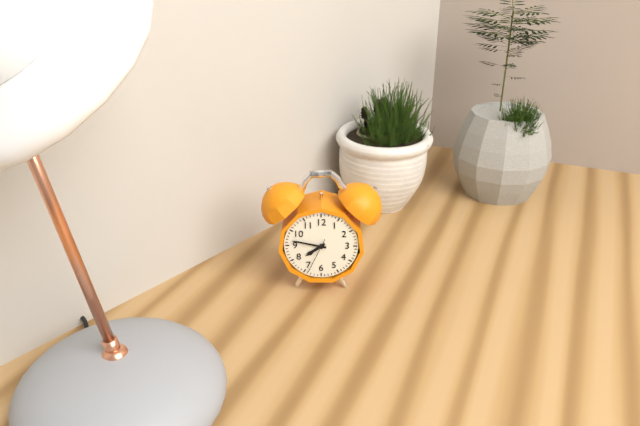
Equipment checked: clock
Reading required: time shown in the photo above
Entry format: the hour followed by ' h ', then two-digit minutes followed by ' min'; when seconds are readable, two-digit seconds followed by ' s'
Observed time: 7 h 47 min
